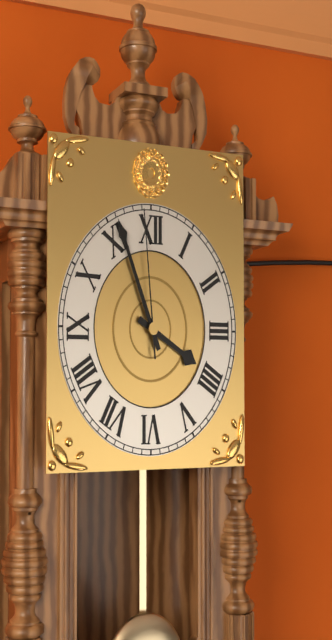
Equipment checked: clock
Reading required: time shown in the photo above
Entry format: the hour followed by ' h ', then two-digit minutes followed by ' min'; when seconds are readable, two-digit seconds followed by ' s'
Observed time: 3 h 56 min 59 s
